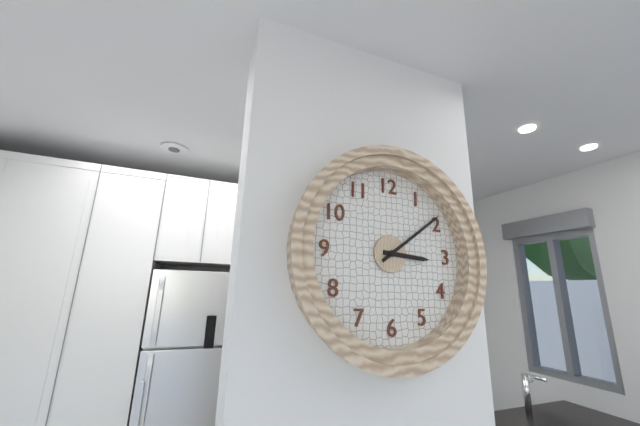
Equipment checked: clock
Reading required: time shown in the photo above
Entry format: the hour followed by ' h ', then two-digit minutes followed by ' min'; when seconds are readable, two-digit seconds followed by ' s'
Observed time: 3 h 09 min
